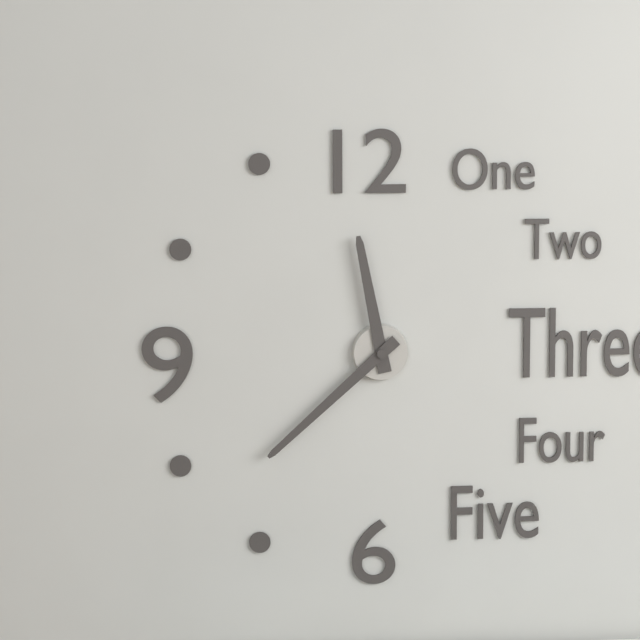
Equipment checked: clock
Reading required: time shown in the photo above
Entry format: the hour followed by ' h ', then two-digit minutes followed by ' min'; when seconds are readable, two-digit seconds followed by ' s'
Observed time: 11 h 38 min
